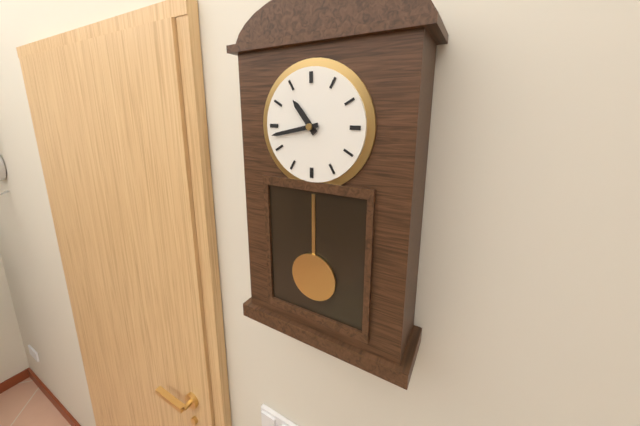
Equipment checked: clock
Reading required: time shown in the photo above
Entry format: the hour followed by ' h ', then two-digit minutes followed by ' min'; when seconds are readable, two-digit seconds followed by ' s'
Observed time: 10 h 43 min
